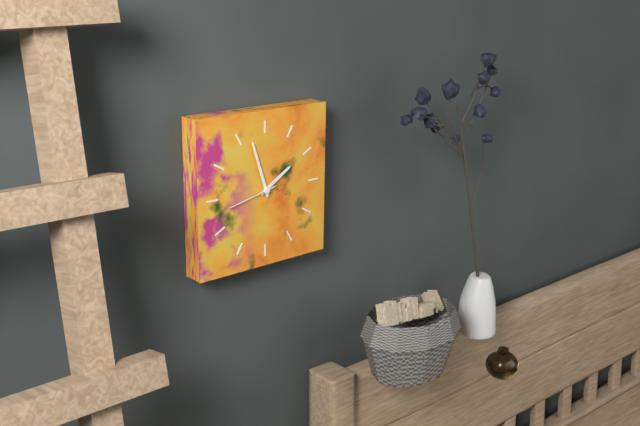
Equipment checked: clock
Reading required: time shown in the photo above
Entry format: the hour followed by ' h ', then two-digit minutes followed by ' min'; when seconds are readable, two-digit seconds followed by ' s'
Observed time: 1 h 57 min 43 s
